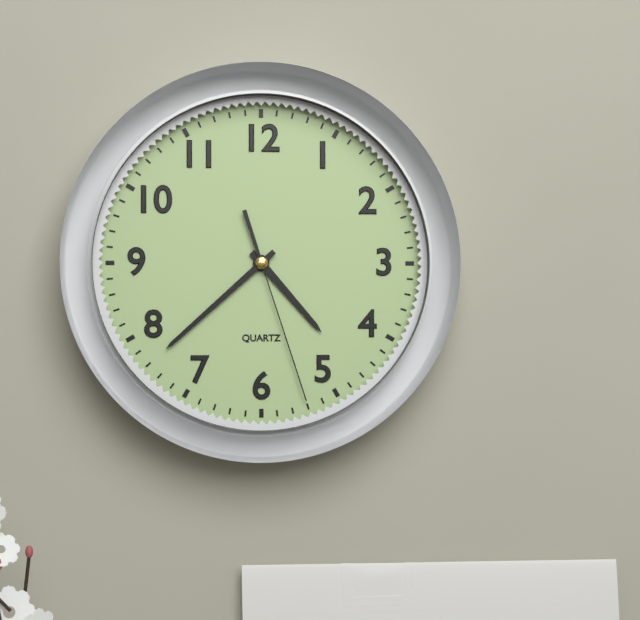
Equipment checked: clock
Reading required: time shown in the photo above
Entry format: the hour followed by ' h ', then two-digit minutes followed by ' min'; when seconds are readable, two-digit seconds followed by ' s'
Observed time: 4 h 38 min 27 s
